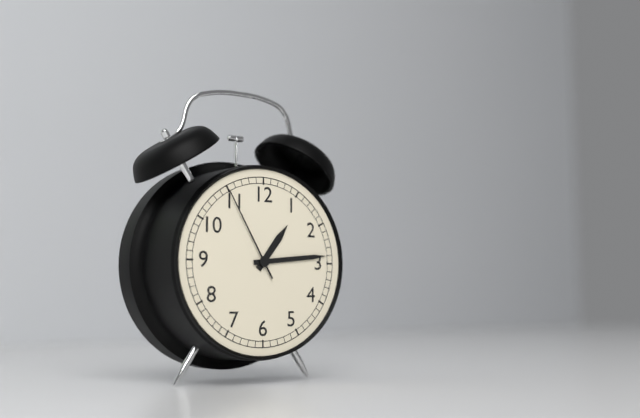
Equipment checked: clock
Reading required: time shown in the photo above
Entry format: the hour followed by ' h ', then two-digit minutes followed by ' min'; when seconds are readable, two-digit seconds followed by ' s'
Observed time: 1 h 14 min 55 s
